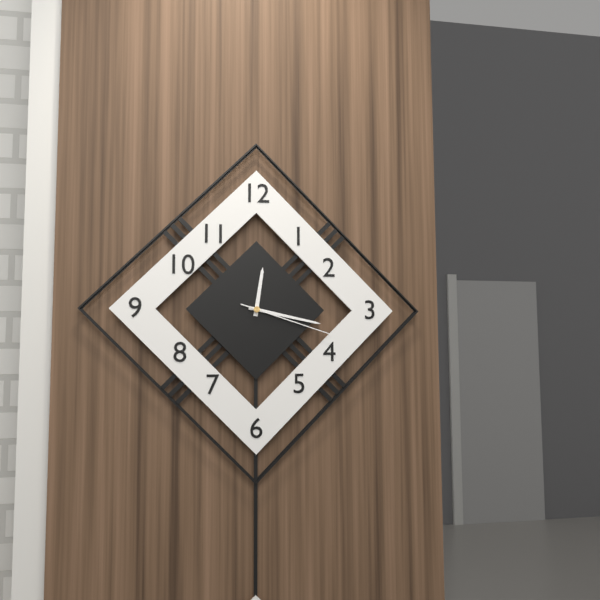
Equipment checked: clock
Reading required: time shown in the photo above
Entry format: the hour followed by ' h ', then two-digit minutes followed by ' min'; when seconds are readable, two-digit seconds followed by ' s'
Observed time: 12 h 17 min 18 s
